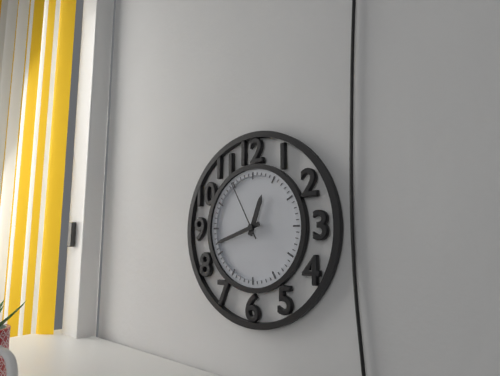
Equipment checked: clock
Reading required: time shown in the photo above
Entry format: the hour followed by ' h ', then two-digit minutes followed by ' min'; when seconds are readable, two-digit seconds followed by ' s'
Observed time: 12 h 42 min 55 s
